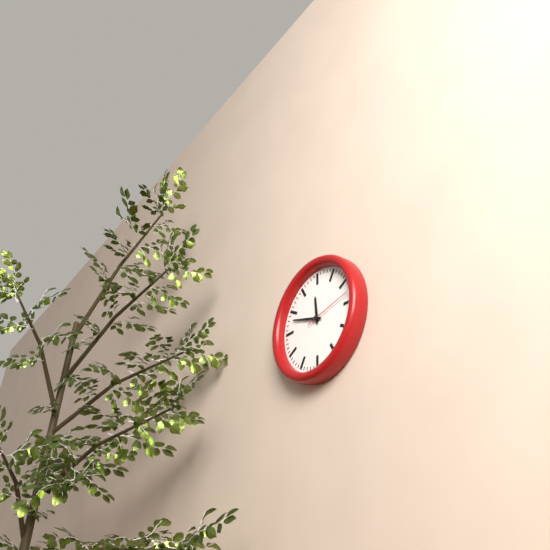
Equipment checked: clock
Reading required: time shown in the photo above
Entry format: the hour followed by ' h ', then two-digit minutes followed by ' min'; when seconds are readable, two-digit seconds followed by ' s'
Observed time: 11 h 48 min
